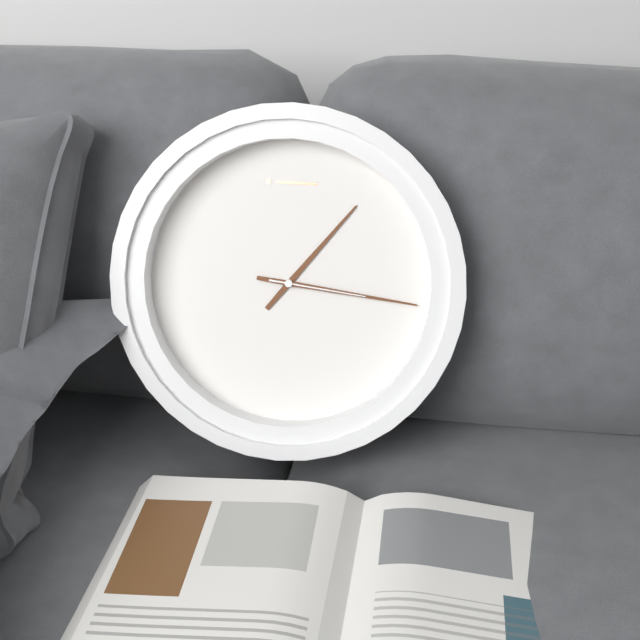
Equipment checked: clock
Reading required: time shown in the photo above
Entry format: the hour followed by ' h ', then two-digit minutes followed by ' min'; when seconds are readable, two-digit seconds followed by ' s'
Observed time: 1 h 16 min 16 s
